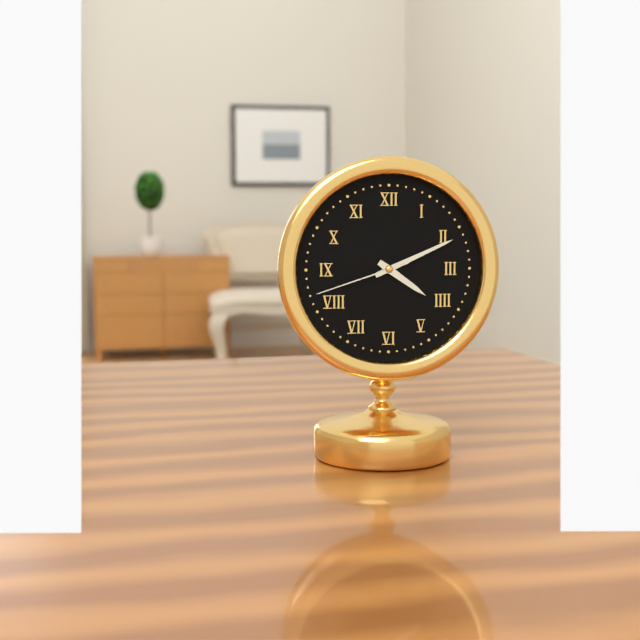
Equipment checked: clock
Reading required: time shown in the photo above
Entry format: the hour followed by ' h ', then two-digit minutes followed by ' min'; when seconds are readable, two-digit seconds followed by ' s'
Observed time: 4 h 11 min 42 s
